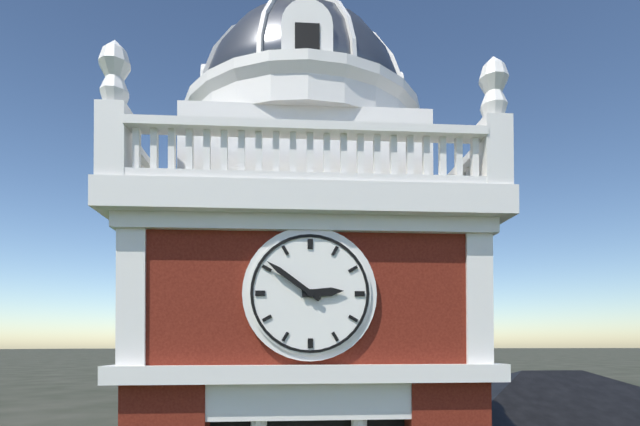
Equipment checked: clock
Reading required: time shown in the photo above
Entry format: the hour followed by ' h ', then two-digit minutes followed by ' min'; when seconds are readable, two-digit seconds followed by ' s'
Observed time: 2 h 51 min
